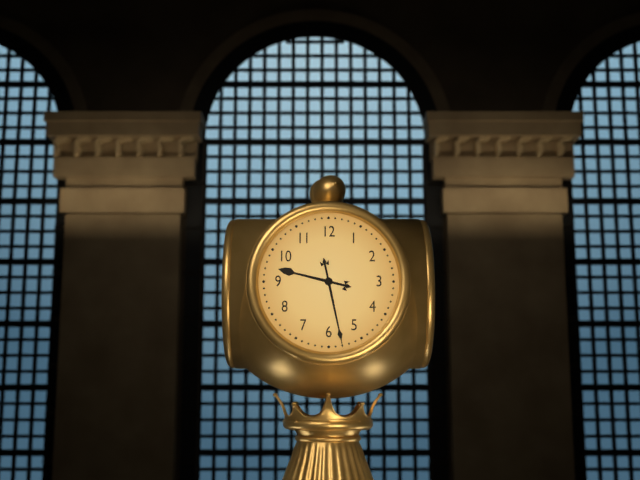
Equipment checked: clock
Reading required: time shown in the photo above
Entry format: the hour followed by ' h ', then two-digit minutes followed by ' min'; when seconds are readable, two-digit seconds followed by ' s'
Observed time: 9 h 28 min
